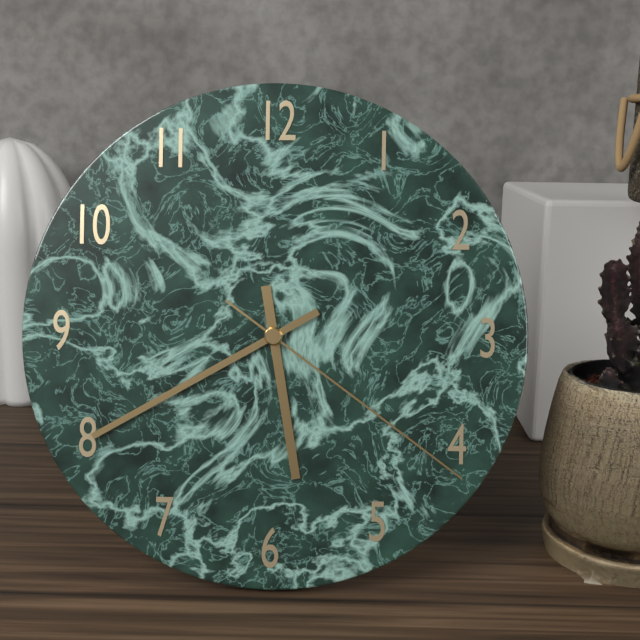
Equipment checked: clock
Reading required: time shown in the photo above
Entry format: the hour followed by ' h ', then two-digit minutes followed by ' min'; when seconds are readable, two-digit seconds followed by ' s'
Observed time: 5 h 40 min 21 s
